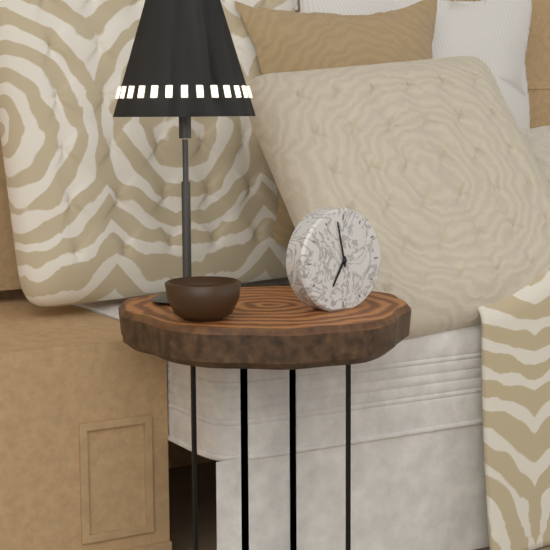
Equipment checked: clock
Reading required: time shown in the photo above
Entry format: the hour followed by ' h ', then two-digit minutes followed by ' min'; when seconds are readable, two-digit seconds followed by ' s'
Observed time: 6 h 58 min
